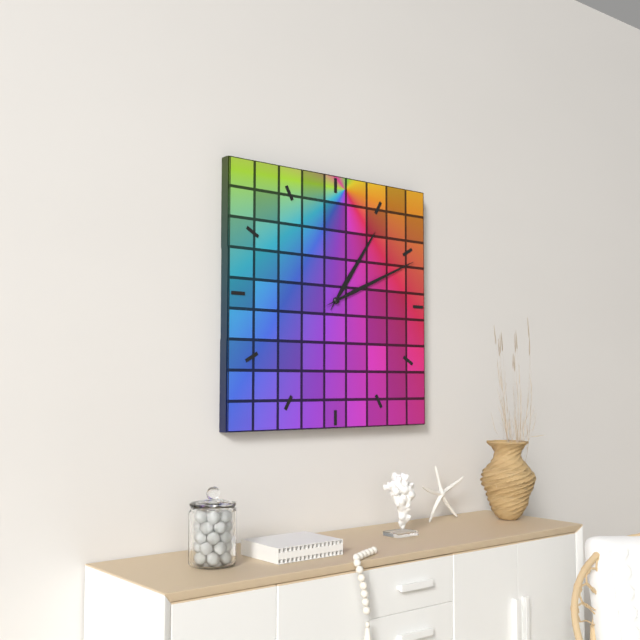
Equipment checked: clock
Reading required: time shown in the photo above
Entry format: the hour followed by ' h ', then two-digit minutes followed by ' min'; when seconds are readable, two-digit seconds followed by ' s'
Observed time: 1 h 11 min
